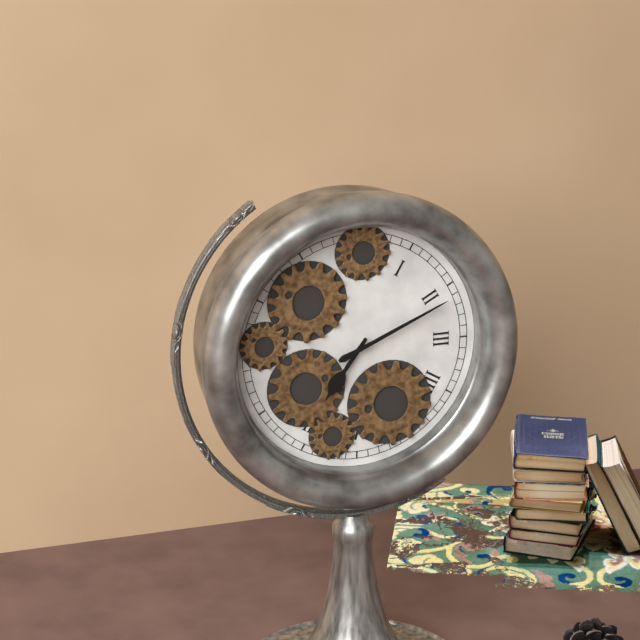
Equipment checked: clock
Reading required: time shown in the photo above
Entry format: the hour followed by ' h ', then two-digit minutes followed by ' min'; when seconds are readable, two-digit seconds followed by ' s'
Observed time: 7 h 11 min
